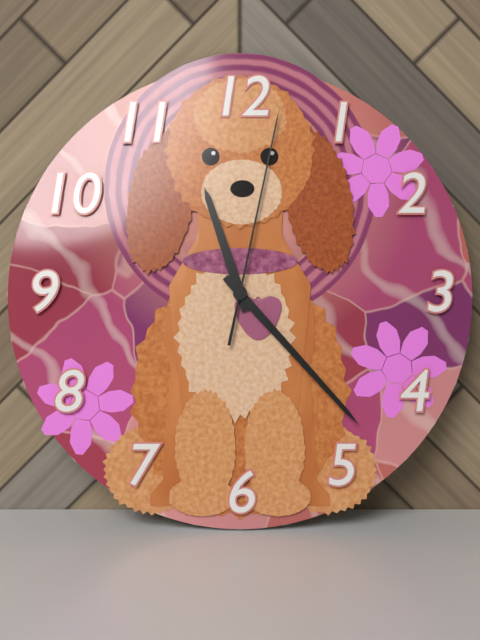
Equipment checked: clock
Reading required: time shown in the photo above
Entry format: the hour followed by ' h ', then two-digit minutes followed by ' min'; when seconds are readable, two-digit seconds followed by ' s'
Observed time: 11 h 23 min 02 s
